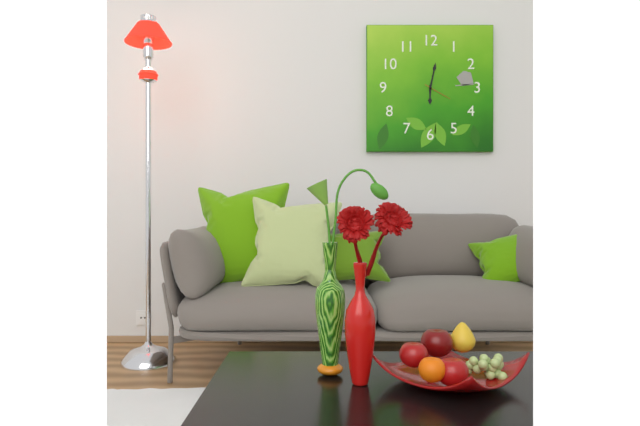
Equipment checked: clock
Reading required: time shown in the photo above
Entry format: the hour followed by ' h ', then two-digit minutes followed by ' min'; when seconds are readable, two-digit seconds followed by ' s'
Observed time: 6 h 02 min
